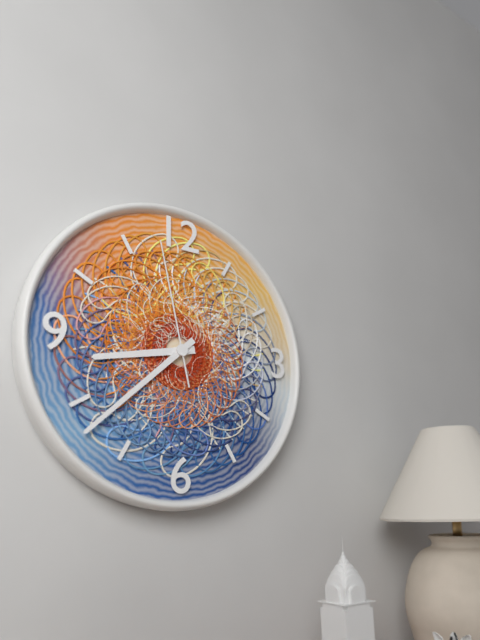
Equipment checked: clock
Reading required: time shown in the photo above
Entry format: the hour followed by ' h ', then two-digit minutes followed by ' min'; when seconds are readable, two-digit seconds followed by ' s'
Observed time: 8 h 38 min 58 s
